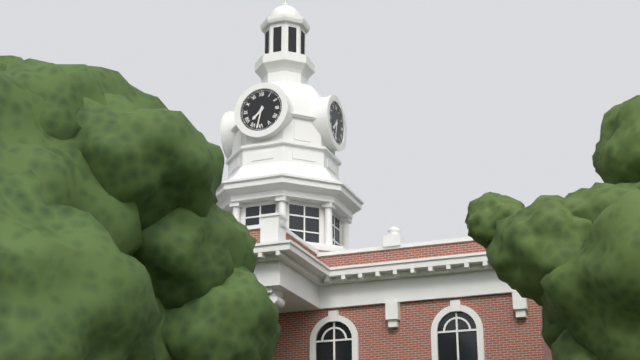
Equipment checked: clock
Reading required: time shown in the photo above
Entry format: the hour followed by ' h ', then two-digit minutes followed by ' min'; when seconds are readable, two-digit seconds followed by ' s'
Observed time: 7 h 32 min
